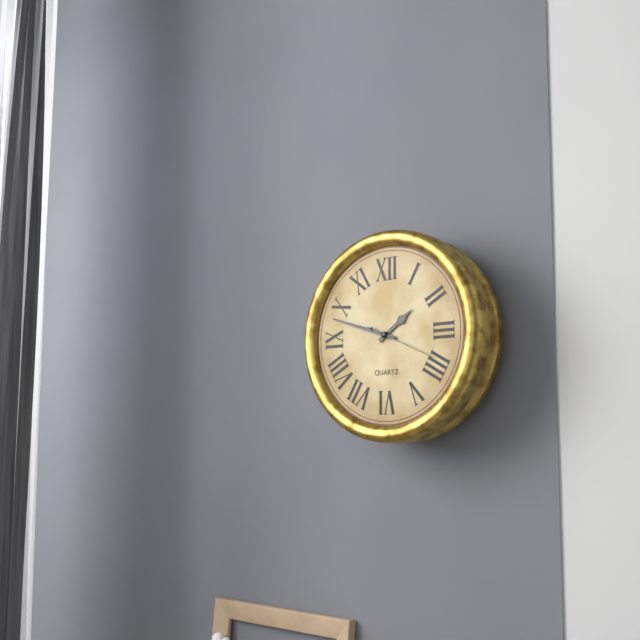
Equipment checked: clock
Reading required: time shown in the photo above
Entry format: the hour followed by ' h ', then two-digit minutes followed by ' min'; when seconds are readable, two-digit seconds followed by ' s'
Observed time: 1 h 48 min 19 s
